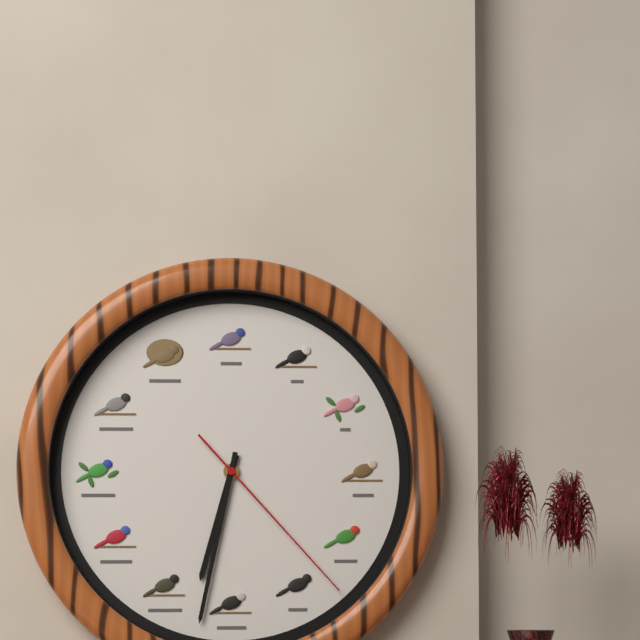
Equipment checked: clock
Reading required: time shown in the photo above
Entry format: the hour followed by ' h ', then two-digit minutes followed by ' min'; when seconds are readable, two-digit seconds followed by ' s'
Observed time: 6 h 32 min 23 s
